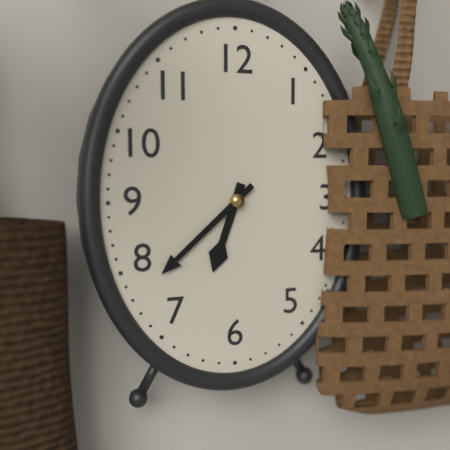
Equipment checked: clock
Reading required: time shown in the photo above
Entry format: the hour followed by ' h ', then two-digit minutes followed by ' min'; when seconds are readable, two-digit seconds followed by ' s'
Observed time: 6 h 38 min
